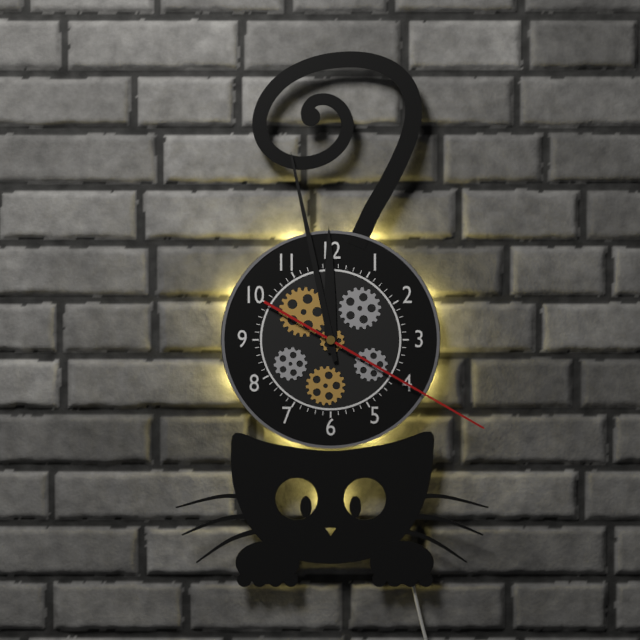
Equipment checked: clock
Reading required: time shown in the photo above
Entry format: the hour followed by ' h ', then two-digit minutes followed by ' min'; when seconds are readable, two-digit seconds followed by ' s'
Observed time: 11 h 58 min 20 s
